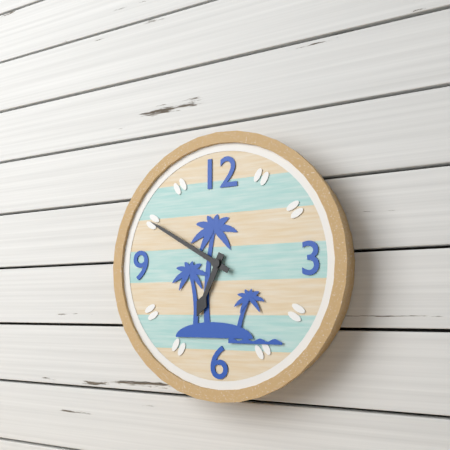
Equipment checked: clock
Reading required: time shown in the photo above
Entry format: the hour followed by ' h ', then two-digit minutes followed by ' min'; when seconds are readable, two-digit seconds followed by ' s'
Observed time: 6 h 50 min
